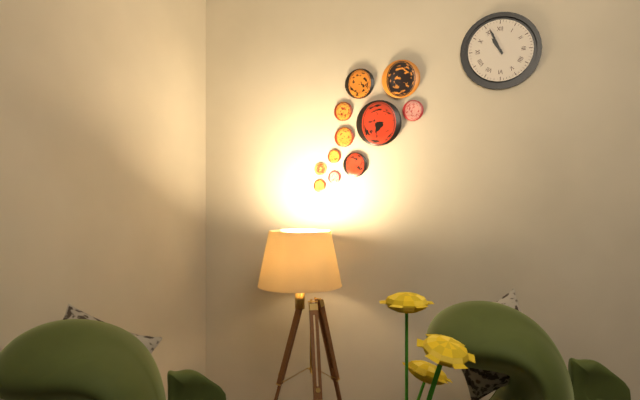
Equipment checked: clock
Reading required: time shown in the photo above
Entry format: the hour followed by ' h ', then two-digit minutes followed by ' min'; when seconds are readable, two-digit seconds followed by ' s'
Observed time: 10 h 56 min
